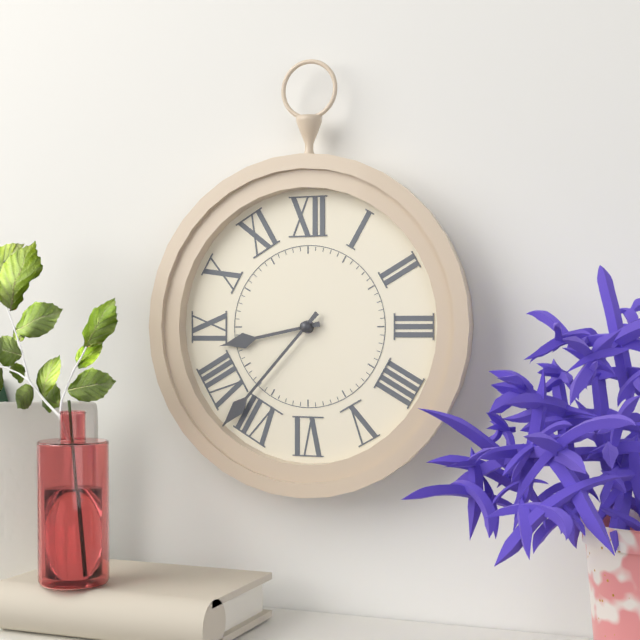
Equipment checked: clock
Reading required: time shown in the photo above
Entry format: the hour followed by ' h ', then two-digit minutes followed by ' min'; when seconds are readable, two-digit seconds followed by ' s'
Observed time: 8 h 37 min
